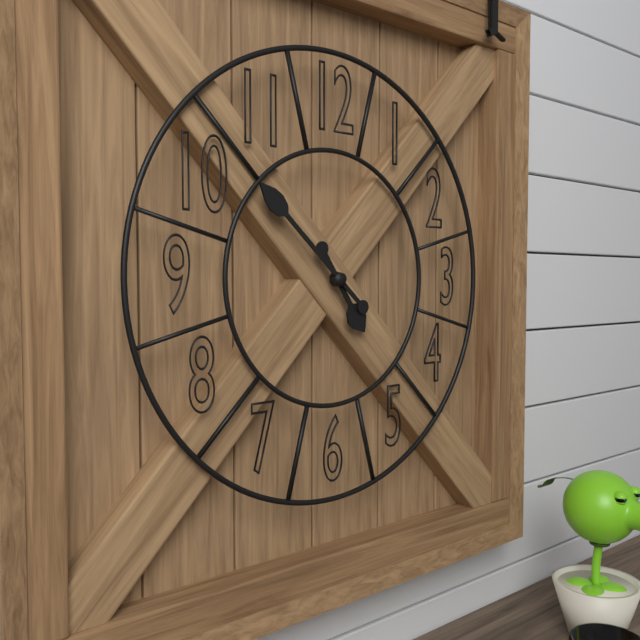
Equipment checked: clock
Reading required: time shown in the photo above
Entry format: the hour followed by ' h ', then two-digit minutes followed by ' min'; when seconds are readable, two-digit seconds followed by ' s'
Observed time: 4 h 52 min
